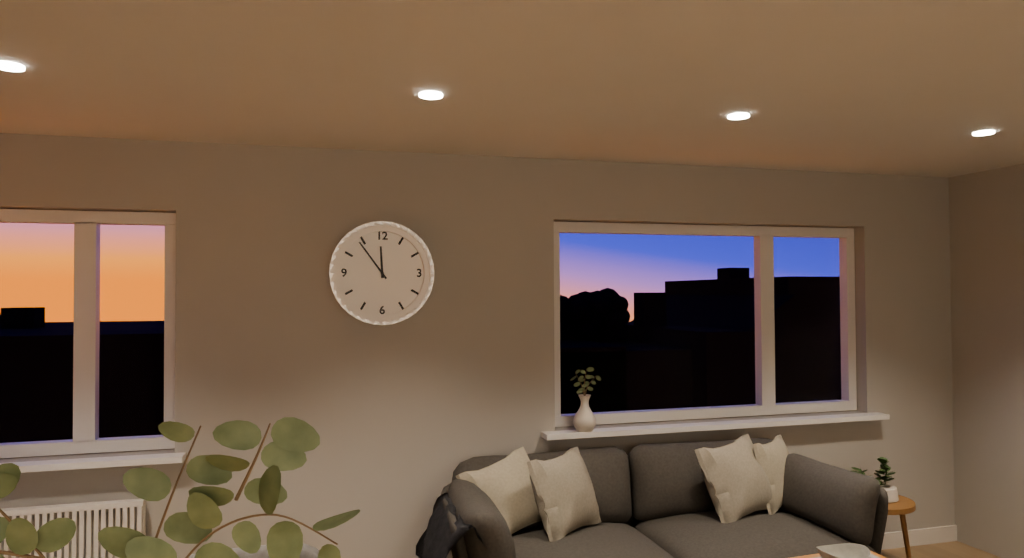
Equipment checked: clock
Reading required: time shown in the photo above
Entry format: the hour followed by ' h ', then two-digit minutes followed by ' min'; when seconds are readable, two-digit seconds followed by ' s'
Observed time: 11 h 54 min
